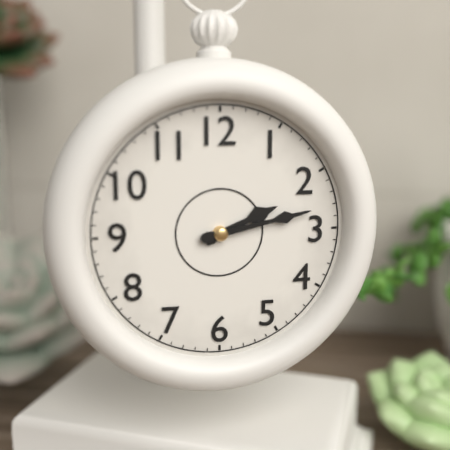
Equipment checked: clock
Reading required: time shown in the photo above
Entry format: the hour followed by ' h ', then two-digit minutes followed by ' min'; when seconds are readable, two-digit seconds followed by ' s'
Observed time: 2 h 13 min
